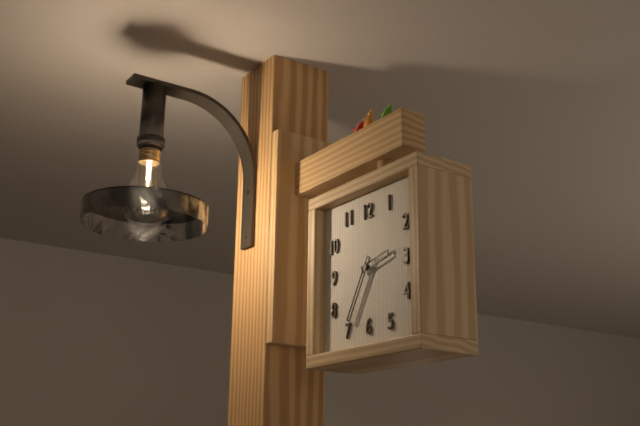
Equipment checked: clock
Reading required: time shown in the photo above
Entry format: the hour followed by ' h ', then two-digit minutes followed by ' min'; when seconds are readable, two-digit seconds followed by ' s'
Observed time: 2 h 35 min
